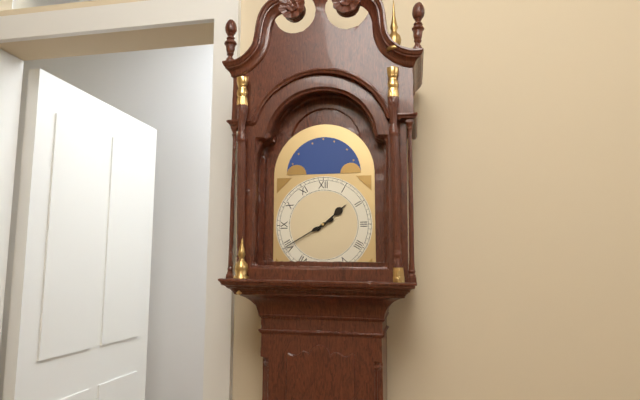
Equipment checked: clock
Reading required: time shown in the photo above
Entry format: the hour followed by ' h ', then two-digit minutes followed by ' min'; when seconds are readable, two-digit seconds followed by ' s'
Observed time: 1 h 40 min
